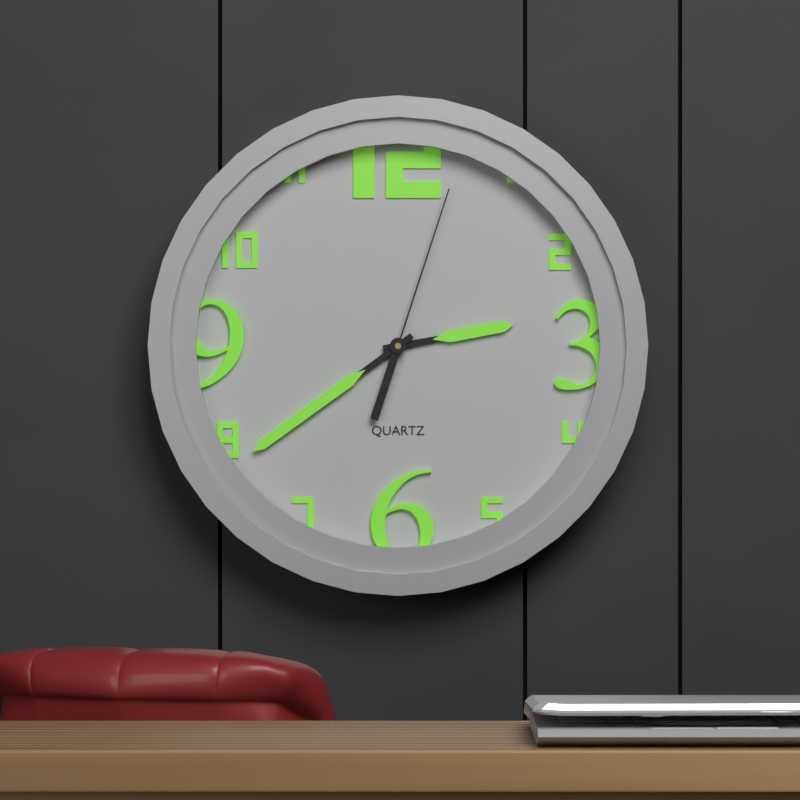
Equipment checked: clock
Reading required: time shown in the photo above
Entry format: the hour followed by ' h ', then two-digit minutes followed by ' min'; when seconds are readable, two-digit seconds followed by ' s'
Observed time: 2 h 39 min 03 s
